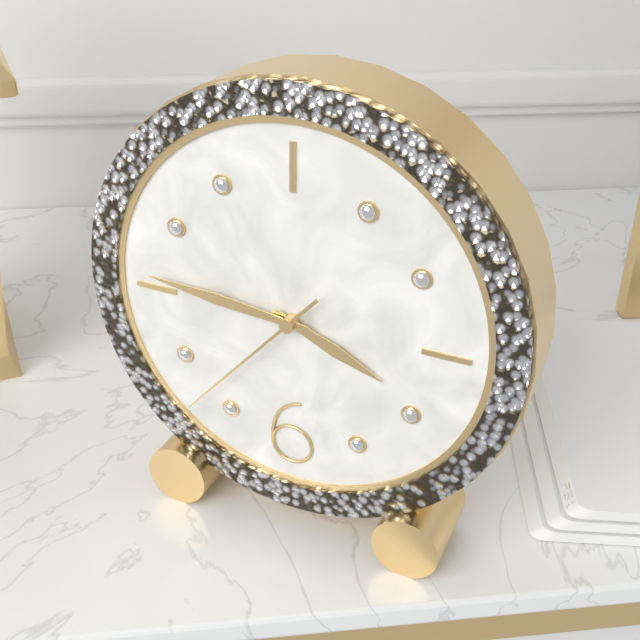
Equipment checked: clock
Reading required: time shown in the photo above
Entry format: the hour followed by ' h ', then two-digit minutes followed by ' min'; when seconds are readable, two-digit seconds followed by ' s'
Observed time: 3 h 46 min 37 s
